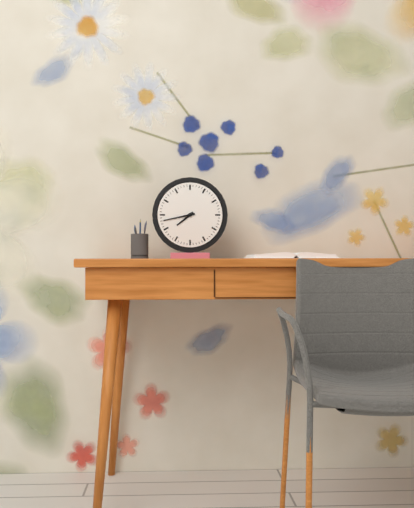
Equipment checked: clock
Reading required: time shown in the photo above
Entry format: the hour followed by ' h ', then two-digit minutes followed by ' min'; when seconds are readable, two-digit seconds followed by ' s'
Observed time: 7 h 43 min
